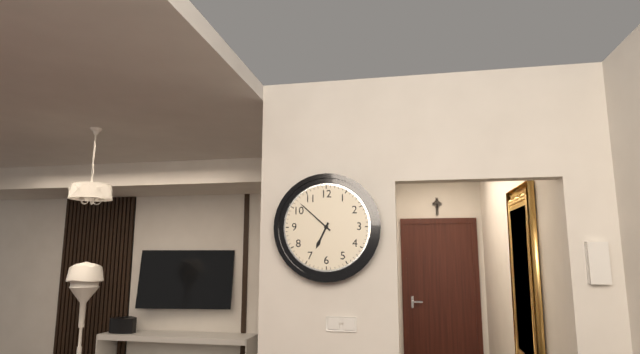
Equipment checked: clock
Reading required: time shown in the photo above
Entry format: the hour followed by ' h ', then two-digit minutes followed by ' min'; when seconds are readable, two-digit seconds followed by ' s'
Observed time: 6 h 52 min
